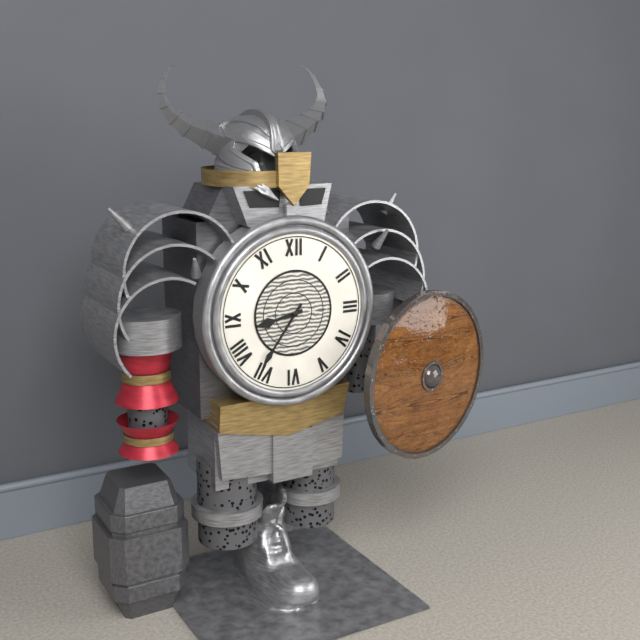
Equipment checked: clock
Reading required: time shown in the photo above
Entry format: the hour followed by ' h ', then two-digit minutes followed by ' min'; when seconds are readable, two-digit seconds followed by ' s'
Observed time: 8 h 36 min
